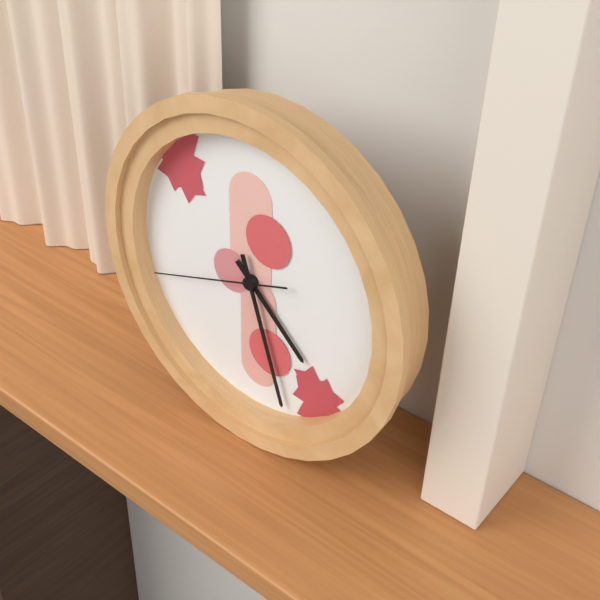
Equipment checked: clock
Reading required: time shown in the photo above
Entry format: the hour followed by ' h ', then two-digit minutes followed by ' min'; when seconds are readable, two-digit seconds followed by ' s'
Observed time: 4 h 27 min 42 s
